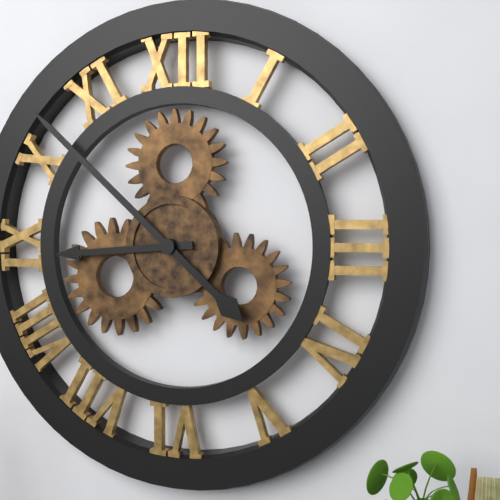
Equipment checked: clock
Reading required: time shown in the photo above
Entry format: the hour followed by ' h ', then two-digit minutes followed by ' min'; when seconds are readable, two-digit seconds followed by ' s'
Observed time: 8 h 52 min
